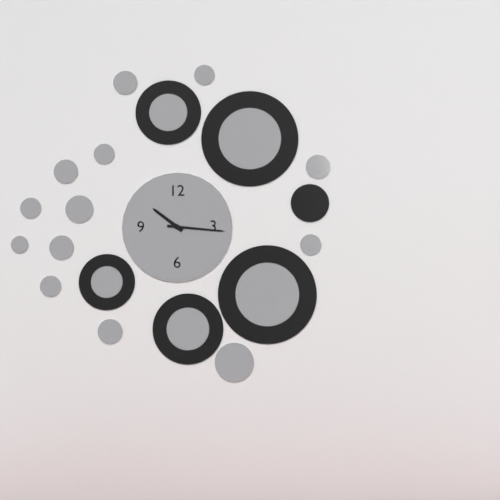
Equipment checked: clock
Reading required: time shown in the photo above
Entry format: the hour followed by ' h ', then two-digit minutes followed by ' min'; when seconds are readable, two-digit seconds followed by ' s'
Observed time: 10 h 16 min
